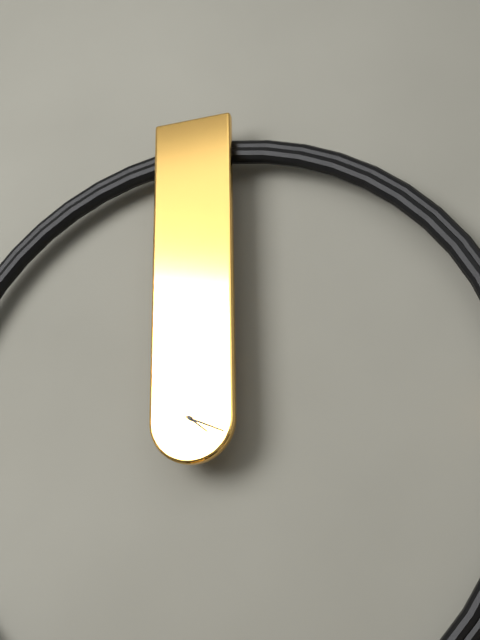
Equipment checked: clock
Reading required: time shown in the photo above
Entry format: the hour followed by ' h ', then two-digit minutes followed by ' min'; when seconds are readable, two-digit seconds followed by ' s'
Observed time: 4 h 19 min
